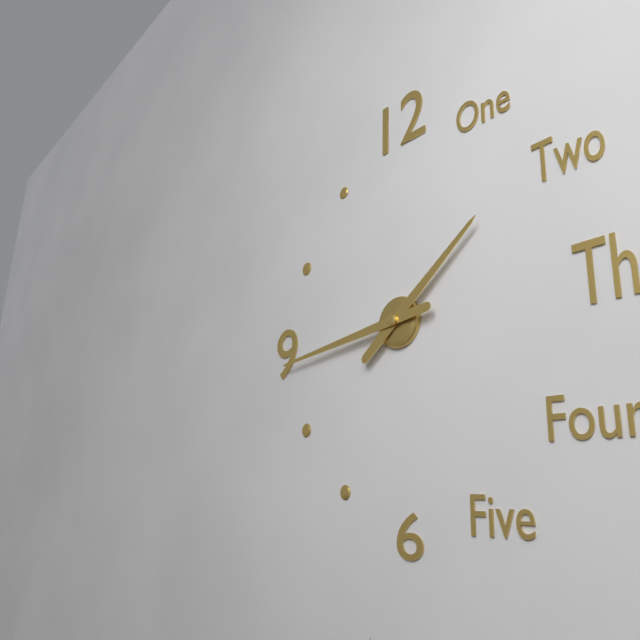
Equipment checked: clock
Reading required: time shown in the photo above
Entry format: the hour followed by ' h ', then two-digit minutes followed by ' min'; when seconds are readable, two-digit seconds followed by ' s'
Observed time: 1 h 44 min
